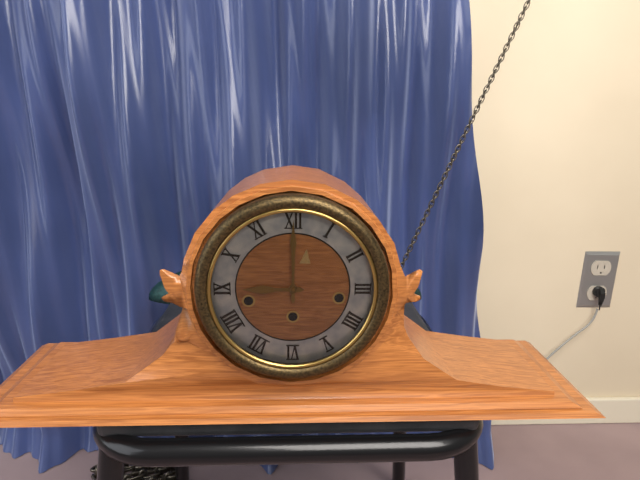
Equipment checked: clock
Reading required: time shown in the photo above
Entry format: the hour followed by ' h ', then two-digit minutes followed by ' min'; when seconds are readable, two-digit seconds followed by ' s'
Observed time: 9 h 00 min
